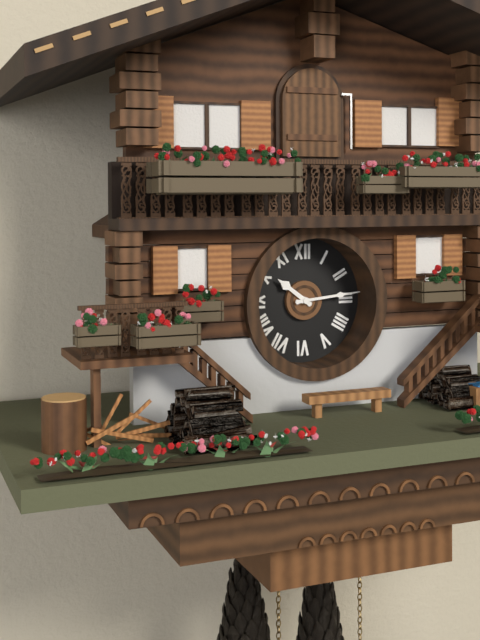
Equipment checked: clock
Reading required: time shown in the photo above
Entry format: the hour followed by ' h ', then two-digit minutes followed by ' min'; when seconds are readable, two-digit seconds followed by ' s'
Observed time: 10 h 14 min
